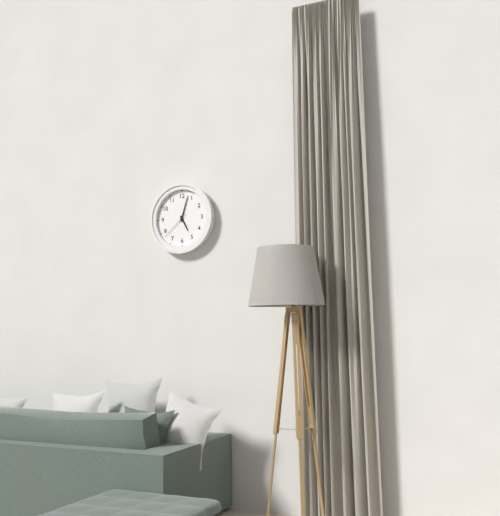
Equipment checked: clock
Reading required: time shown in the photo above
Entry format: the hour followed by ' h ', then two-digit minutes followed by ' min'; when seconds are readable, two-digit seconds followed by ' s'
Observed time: 5 h 03 min
